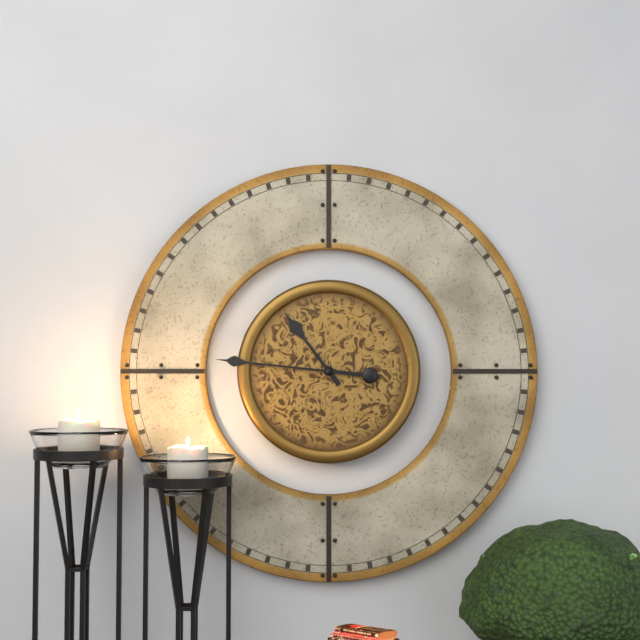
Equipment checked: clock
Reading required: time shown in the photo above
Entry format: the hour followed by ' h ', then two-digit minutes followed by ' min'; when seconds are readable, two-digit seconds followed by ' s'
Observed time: 10 h 46 min
